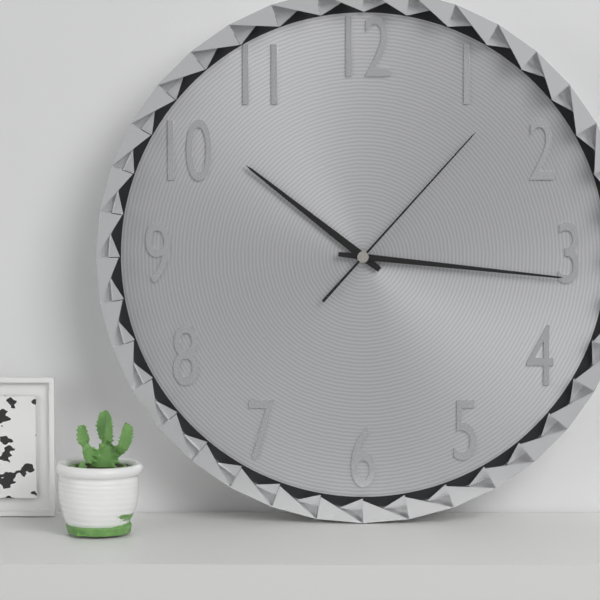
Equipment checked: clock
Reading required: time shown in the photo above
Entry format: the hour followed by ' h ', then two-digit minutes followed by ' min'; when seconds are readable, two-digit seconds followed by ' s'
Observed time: 10 h 16 min 07 s
